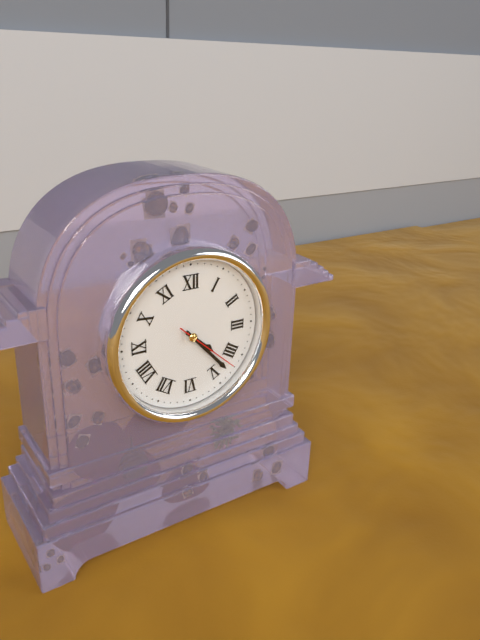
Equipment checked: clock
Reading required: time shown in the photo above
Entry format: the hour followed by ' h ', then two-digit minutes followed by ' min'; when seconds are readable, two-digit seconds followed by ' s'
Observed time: 4 h 23 min 22 s
